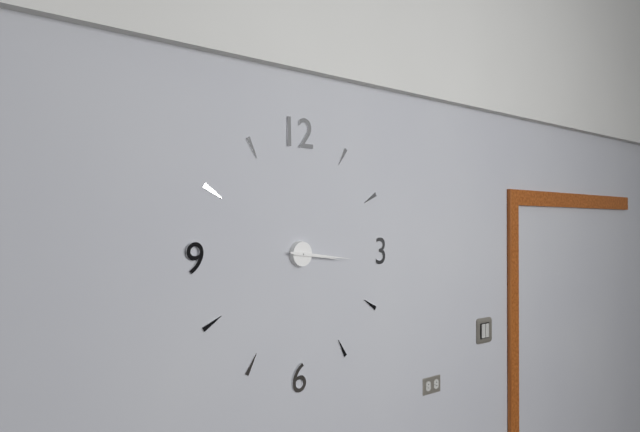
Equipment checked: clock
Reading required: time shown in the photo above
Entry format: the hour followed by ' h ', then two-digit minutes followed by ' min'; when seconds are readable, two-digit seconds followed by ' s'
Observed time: 3 h 16 min
